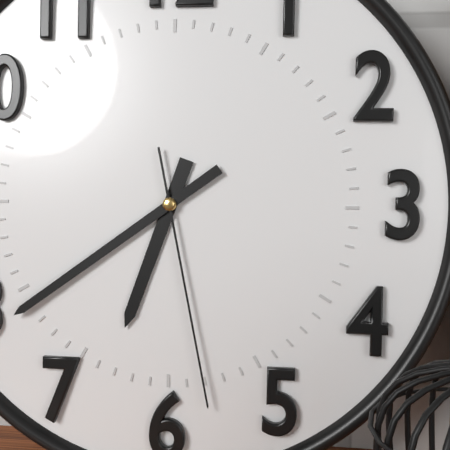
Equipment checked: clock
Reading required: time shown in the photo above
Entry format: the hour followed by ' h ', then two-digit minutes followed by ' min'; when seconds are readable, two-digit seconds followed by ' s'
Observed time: 6 h 39 min 28 s
